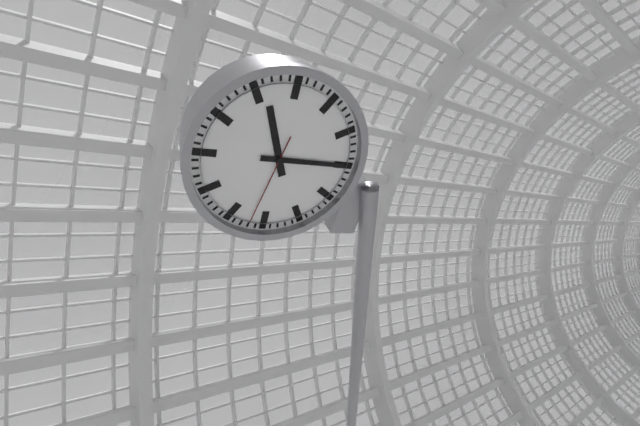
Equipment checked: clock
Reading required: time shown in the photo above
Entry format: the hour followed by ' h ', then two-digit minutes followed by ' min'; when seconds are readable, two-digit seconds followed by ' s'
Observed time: 11 h 15 min 32 s
